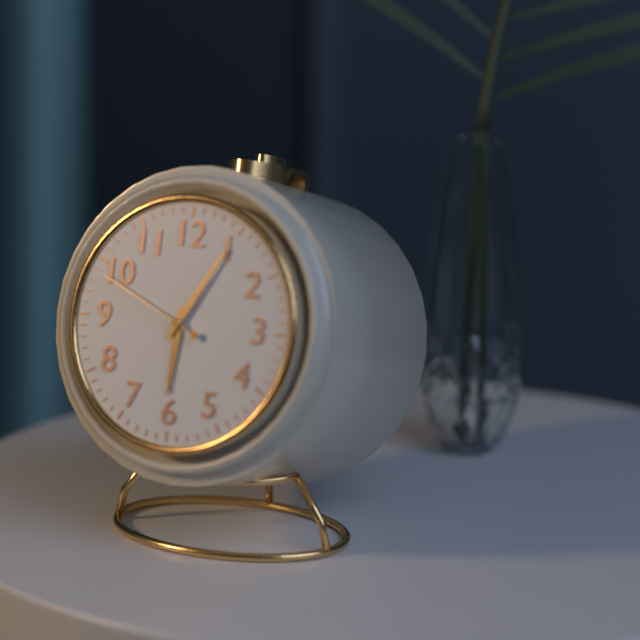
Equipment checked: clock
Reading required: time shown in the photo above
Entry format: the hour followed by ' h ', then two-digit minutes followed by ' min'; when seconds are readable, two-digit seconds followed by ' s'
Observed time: 6 h 05 min 49 s
